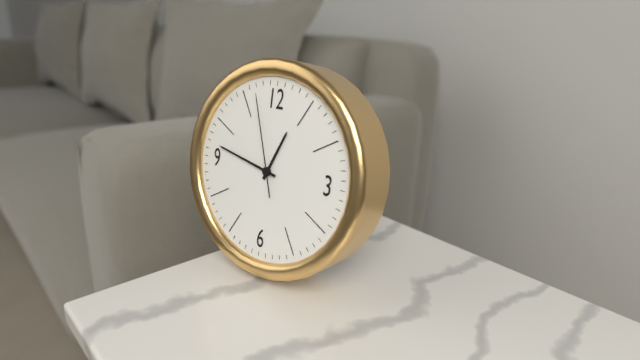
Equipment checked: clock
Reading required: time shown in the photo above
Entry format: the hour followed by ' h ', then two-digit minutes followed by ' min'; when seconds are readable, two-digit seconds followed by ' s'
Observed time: 12 h 47 min 57 s
